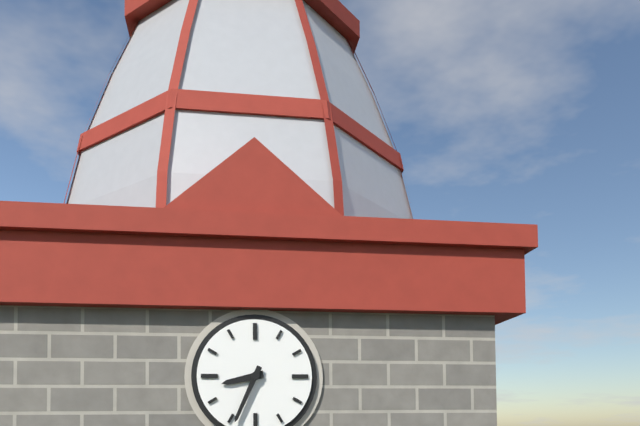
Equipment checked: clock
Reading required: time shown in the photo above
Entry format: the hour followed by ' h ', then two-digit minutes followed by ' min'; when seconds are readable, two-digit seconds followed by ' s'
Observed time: 8 h 34 min
